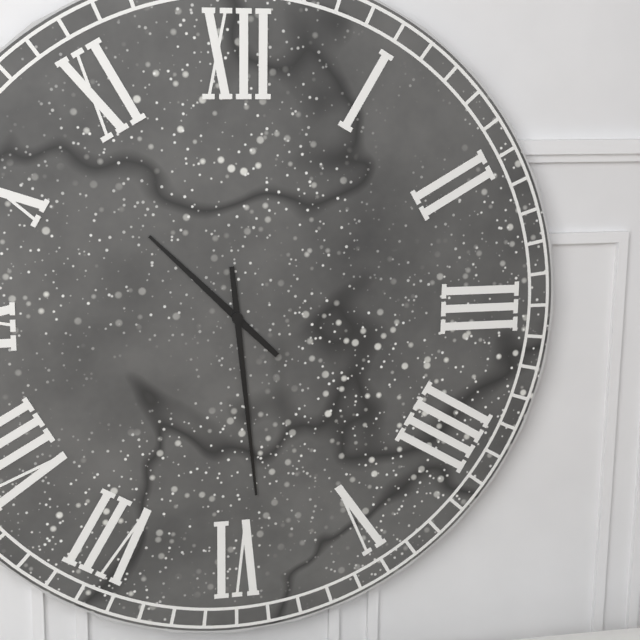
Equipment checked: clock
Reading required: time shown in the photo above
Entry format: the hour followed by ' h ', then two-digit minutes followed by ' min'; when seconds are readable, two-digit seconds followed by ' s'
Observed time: 10 h 29 min
